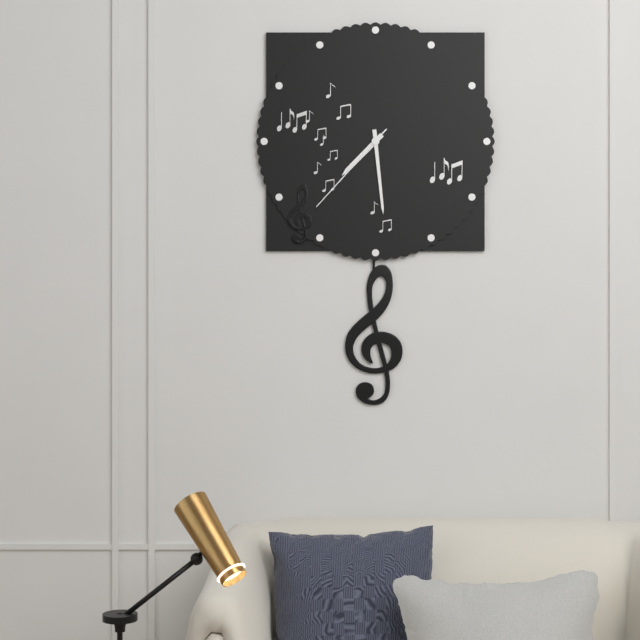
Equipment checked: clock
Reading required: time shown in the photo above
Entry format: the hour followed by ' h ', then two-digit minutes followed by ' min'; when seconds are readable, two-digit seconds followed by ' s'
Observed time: 7 h 29 min 37 s
